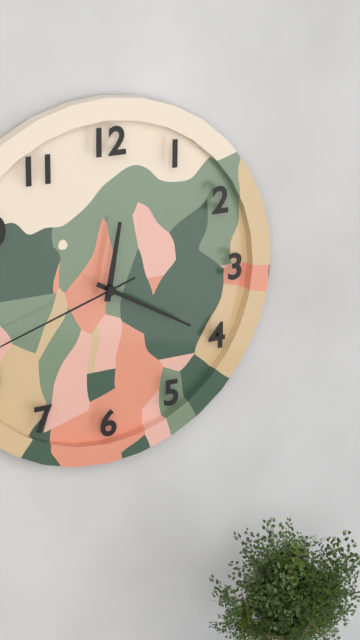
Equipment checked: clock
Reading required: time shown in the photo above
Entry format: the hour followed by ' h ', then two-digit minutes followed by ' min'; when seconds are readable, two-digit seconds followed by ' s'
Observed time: 12 h 20 min
